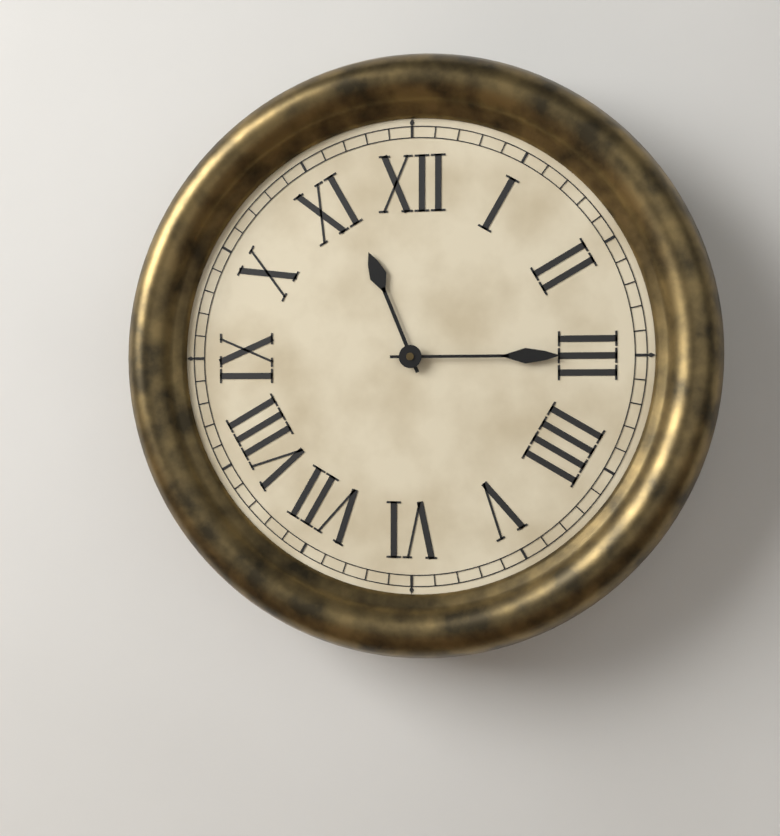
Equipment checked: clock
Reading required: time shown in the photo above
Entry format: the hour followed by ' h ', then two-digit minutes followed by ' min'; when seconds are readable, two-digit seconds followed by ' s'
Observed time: 11 h 15 min
